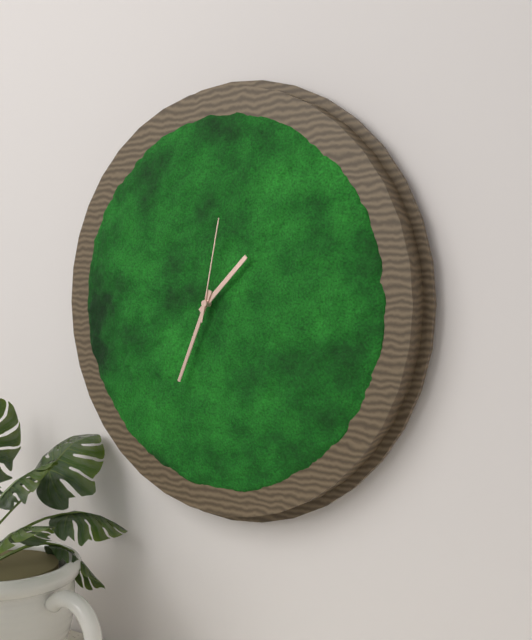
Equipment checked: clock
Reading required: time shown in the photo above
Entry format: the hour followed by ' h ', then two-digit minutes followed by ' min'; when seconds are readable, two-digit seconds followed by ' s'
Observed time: 1 h 34 min 02 s
